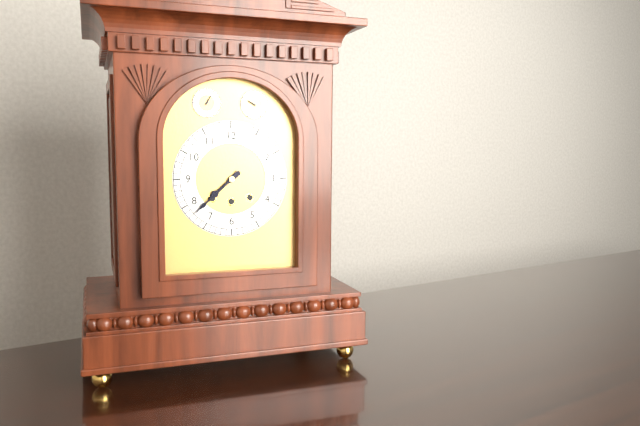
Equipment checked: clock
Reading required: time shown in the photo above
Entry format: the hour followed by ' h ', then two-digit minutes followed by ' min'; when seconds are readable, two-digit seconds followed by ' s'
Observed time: 7 h 38 min
